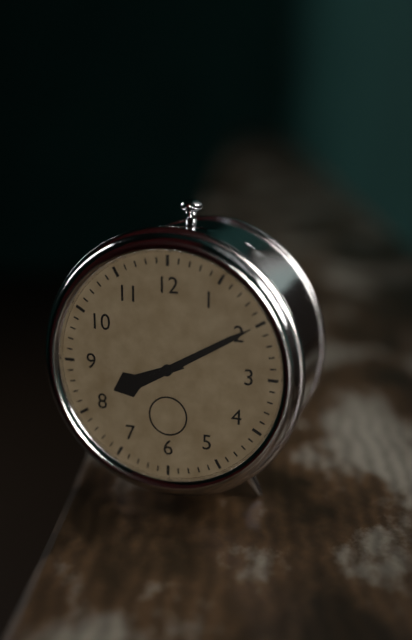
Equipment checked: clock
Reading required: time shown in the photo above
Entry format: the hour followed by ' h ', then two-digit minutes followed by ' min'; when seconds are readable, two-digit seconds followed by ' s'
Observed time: 8 h 10 min
